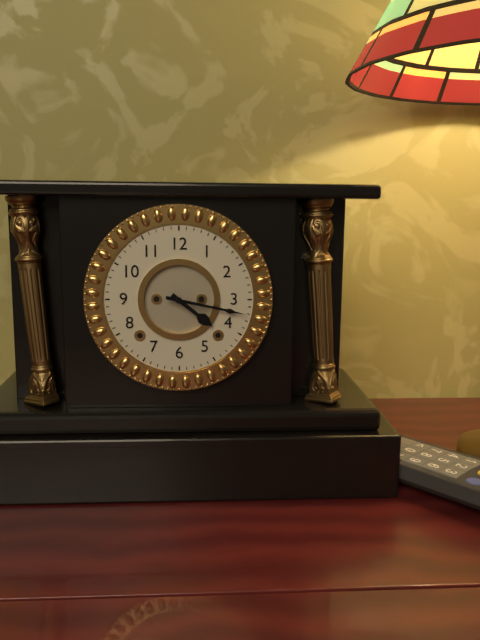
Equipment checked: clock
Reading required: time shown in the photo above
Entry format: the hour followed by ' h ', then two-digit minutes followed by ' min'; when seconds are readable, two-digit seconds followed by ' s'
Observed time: 4 h 17 min
